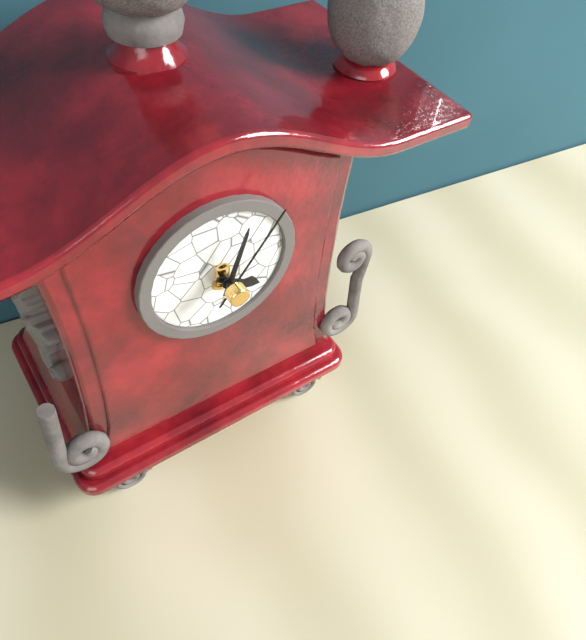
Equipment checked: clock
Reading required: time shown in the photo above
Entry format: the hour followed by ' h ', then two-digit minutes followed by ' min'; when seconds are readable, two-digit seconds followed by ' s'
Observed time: 4 h 03 min 06 s
